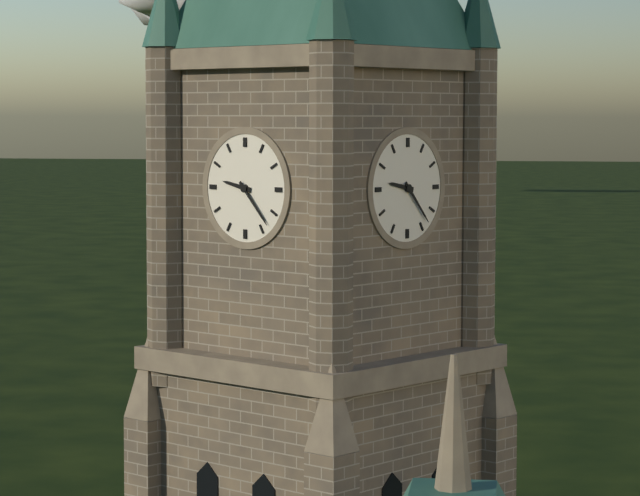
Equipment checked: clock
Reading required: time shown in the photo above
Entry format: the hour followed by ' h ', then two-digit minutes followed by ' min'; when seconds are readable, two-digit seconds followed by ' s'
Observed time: 9 h 23 min
